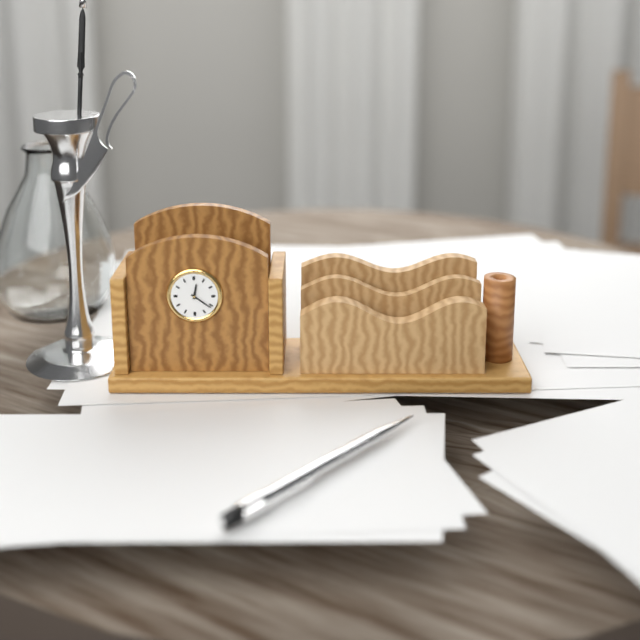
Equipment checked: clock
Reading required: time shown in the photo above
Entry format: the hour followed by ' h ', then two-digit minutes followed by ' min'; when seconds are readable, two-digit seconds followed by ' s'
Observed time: 12 h 21 min
